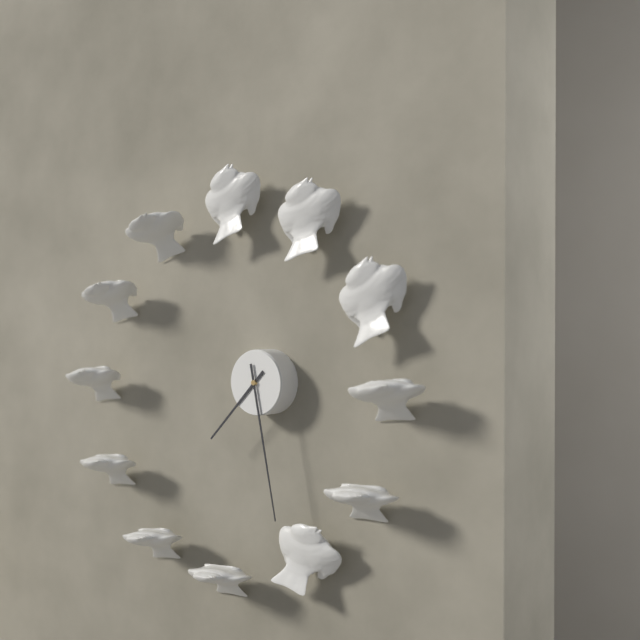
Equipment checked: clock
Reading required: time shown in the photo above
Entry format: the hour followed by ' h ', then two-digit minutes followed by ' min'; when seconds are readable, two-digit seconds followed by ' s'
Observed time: 7 h 28 min
